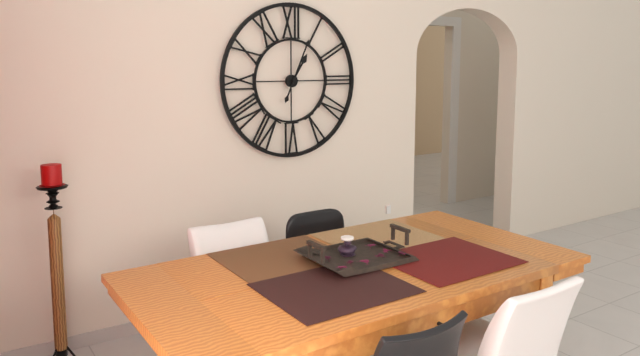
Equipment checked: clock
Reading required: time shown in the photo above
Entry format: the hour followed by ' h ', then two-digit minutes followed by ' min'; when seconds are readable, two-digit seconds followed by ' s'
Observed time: 1 h 04 min
